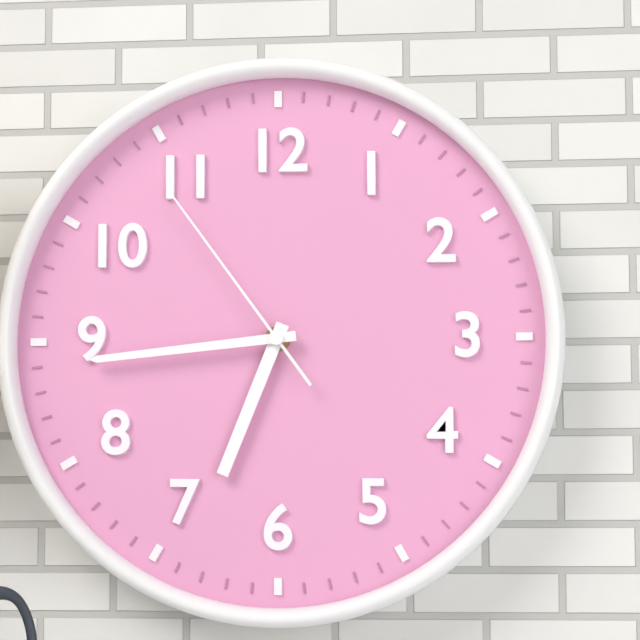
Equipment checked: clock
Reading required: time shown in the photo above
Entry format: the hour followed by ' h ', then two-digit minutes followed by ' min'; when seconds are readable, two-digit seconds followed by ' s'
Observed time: 6 h 44 min 54 s
